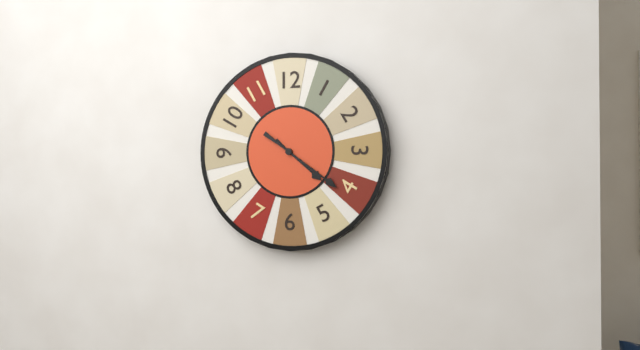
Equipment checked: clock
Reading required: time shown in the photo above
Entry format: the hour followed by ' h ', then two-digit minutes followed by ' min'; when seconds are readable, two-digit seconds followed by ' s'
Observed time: 4 h 21 min
